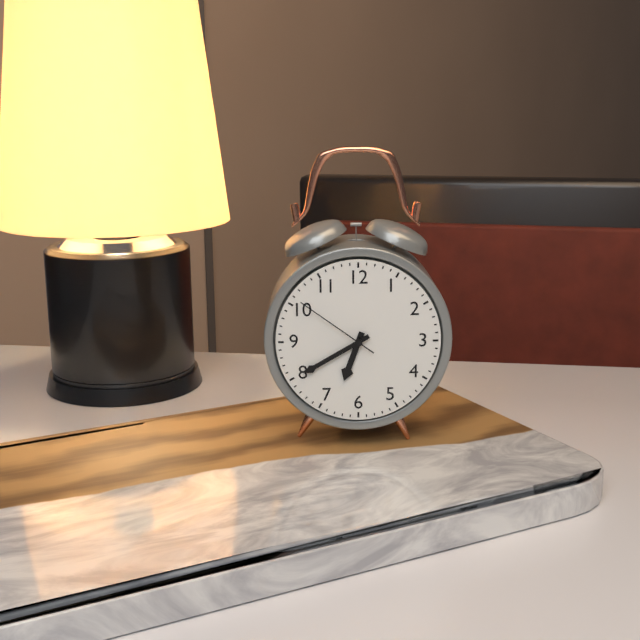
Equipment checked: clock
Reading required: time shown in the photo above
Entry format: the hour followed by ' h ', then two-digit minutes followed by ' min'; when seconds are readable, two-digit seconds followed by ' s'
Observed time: 6 h 40 min 51 s
